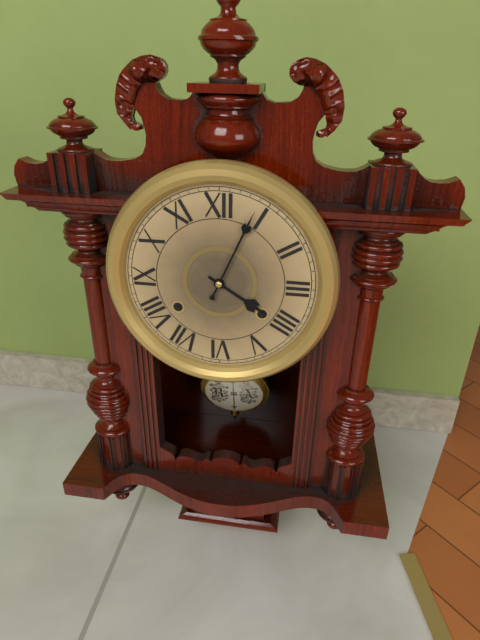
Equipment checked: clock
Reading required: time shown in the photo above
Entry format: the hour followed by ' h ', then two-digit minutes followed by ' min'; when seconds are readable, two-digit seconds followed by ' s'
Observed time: 4 h 04 min
